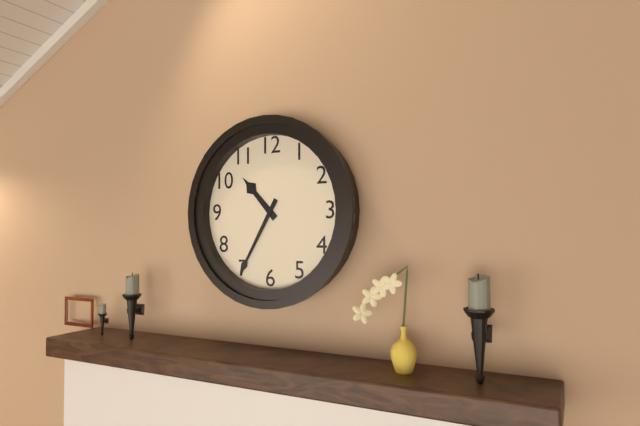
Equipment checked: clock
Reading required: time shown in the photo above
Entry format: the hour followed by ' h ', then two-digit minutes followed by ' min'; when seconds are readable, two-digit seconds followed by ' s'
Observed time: 10 h 35 min
